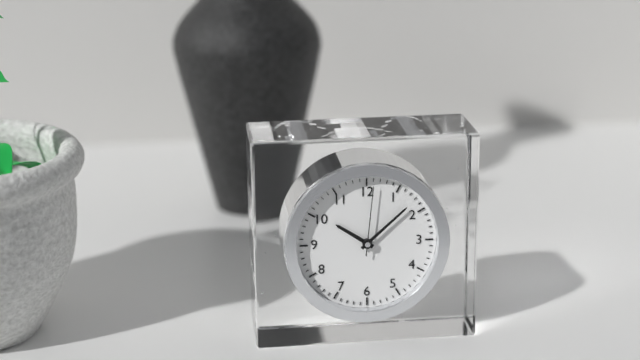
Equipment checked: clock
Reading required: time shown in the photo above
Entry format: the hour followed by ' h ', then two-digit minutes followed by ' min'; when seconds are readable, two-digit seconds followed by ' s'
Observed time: 10 h 08 min 01 s
